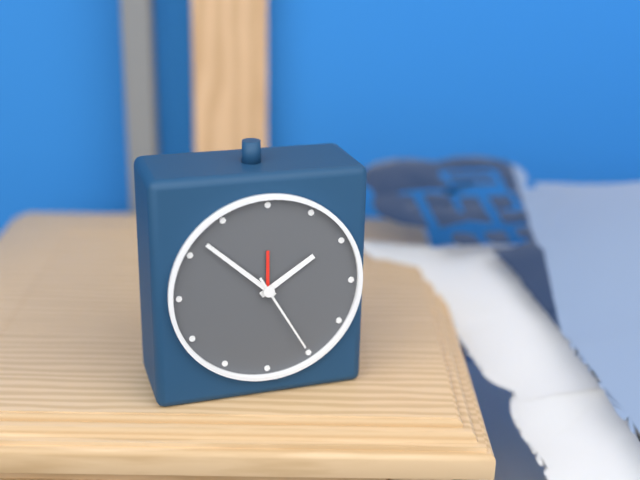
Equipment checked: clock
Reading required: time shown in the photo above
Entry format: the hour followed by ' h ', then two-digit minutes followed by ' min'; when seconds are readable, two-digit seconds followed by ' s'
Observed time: 1 h 52 min 25 s
